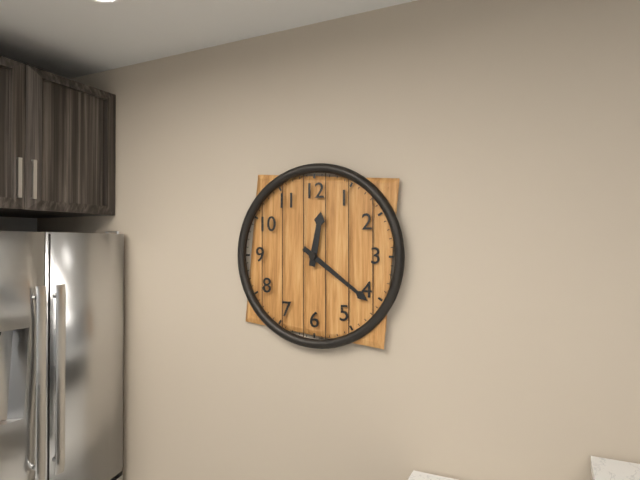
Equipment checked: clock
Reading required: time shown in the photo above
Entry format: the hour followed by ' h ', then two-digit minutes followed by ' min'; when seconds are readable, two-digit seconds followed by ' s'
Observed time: 12 h 21 min
